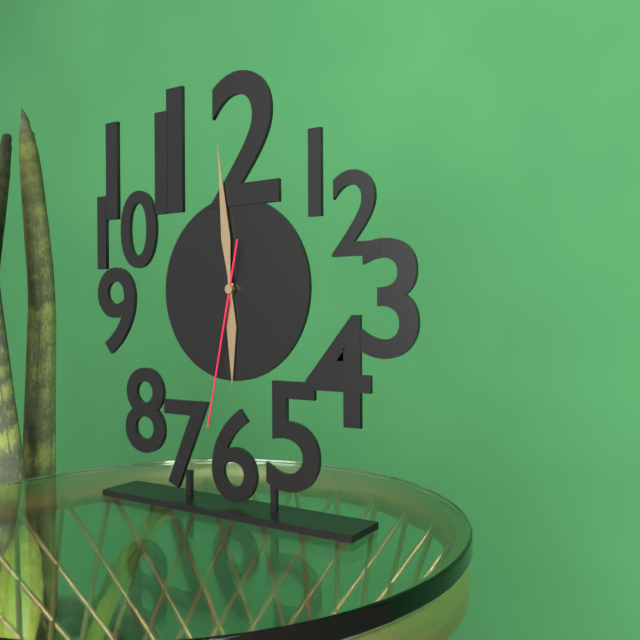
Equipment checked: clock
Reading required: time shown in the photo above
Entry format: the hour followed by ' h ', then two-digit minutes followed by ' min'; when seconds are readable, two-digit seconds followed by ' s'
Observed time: 5 h 59 min 32 s
